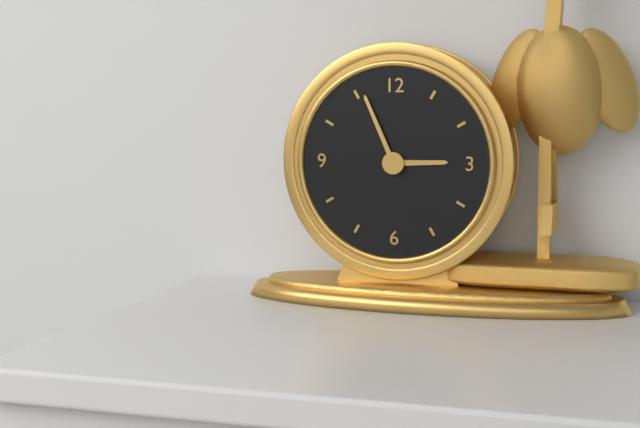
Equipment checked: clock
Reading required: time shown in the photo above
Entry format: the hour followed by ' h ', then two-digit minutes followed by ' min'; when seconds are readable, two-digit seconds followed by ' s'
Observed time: 2 h 56 min
